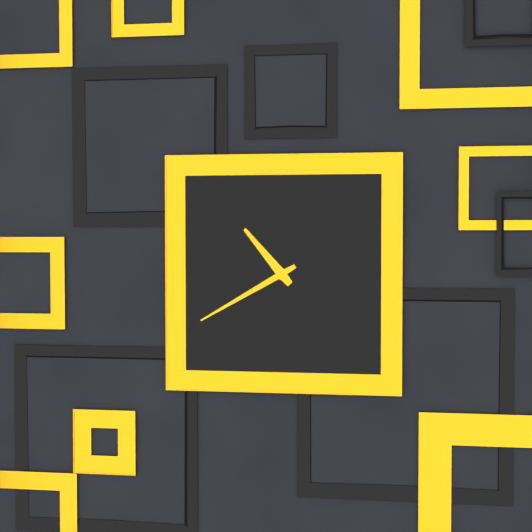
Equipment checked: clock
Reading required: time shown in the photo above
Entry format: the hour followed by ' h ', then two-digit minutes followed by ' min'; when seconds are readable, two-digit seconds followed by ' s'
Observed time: 10 h 40 min
